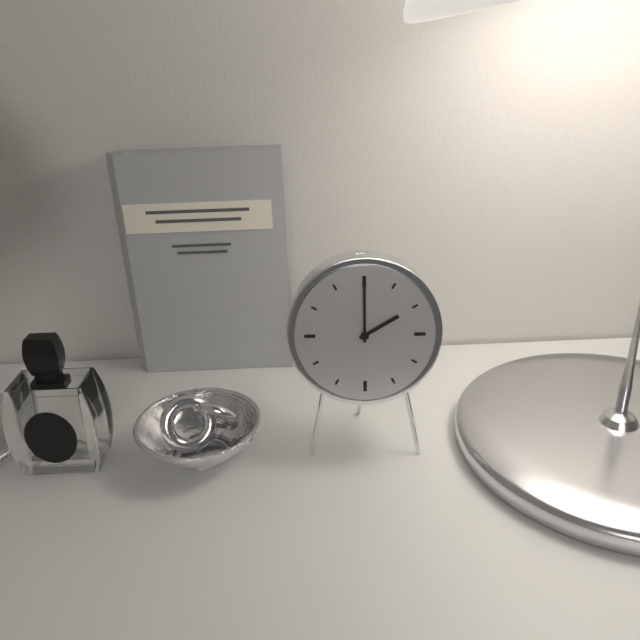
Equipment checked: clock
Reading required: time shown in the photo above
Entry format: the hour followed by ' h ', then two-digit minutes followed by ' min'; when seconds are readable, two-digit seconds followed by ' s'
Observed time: 2 h 00 min
